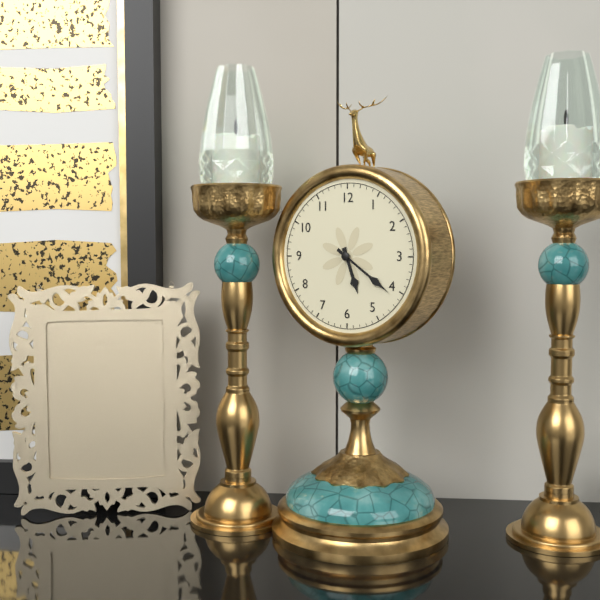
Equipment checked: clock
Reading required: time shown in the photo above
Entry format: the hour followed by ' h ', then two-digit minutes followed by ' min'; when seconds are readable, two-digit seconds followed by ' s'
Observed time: 5 h 21 min
